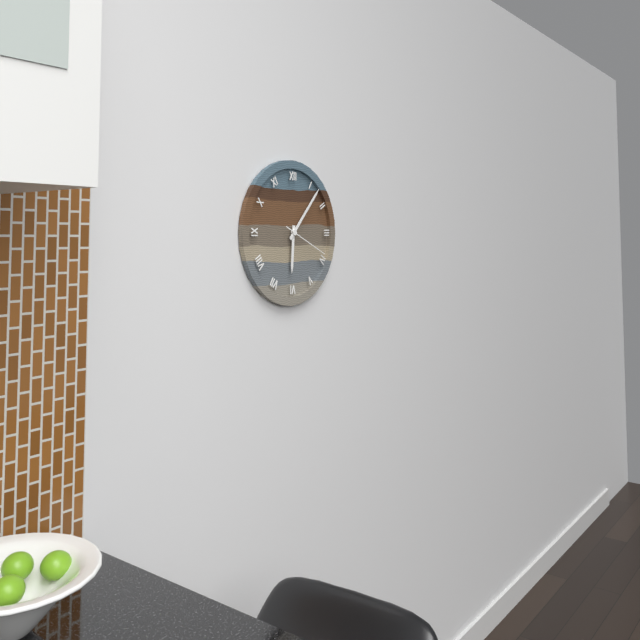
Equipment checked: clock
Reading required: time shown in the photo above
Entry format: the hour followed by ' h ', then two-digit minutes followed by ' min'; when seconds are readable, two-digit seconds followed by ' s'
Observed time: 6 h 07 min
